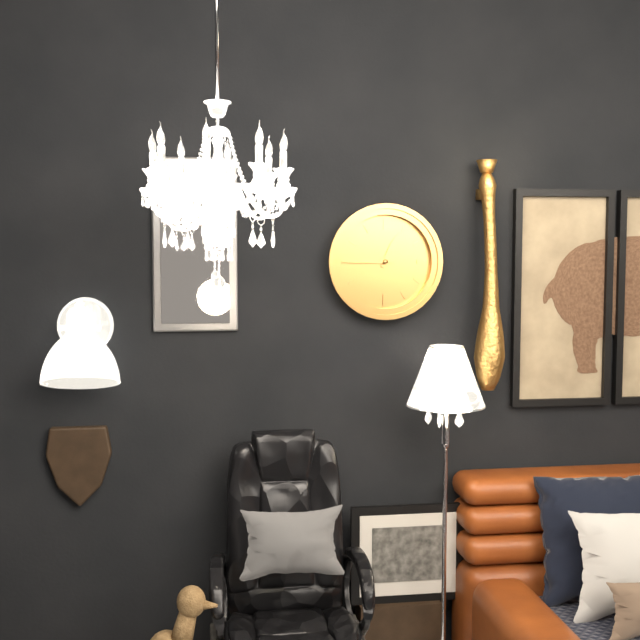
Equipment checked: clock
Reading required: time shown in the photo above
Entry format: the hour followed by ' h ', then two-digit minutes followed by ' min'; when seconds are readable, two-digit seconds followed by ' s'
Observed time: 12 h 45 min
